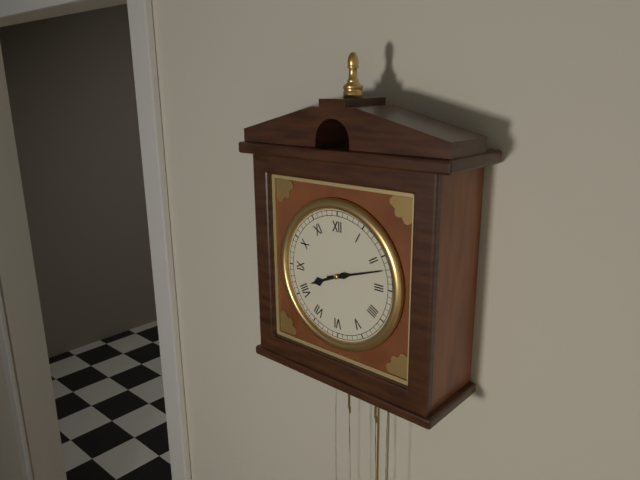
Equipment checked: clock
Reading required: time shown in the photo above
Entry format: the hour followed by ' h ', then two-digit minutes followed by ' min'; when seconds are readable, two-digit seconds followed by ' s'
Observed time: 8 h 12 min
